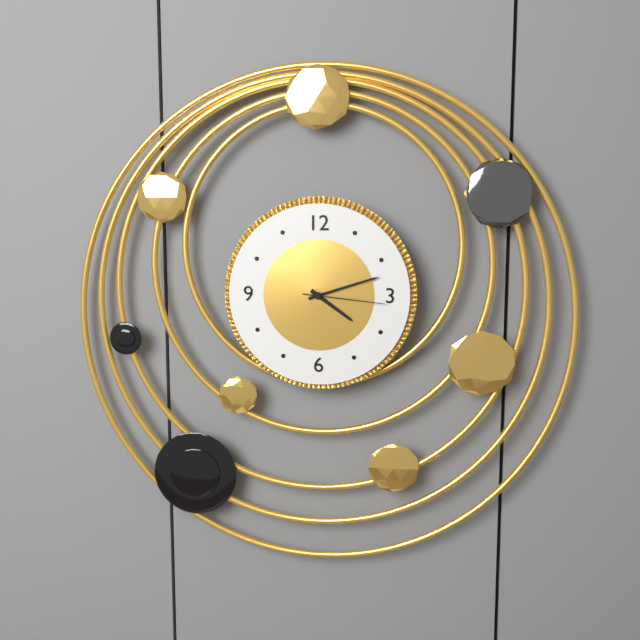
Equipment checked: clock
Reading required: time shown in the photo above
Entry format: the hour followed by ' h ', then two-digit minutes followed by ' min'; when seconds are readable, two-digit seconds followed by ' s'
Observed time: 4 h 12 min 16 s
